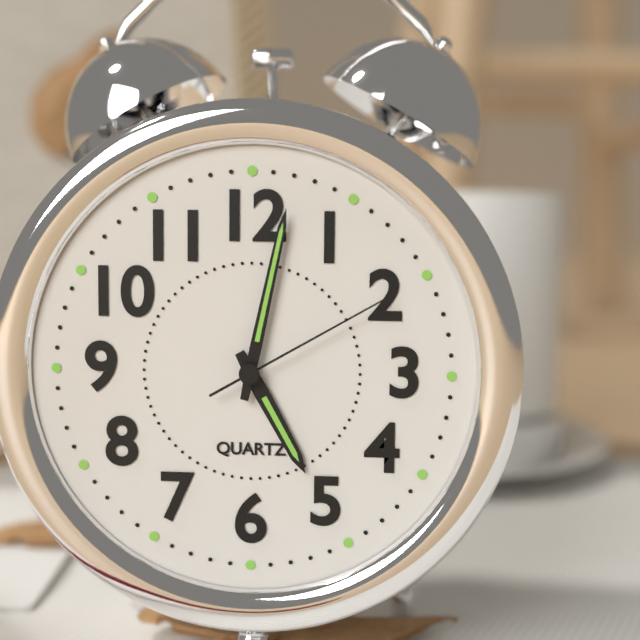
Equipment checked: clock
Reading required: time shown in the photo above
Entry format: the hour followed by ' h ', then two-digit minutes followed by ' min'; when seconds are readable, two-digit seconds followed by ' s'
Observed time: 5 h 02 min 10 s
